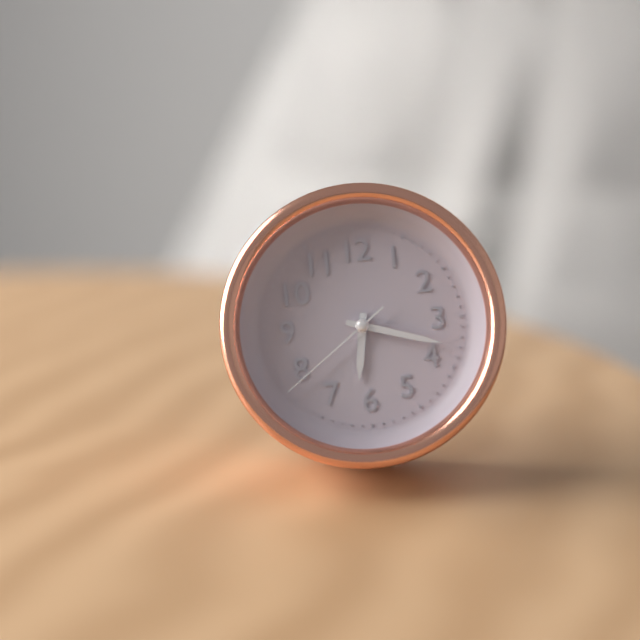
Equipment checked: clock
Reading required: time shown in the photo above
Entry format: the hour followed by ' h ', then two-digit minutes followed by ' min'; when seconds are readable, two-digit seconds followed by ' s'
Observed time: 6 h 18 min 39 s
